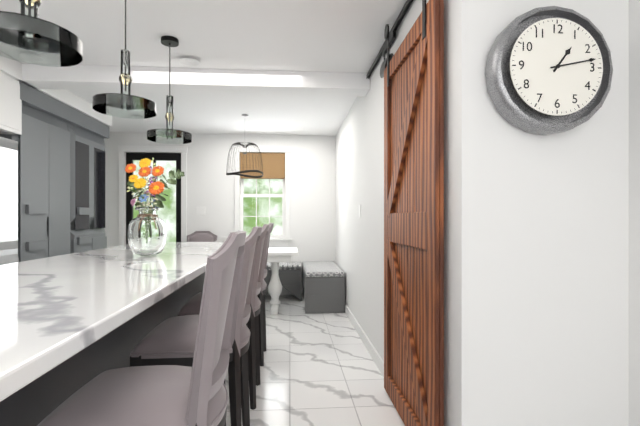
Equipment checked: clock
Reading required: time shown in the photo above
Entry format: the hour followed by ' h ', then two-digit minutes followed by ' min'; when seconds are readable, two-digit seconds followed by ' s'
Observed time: 1 h 13 min
